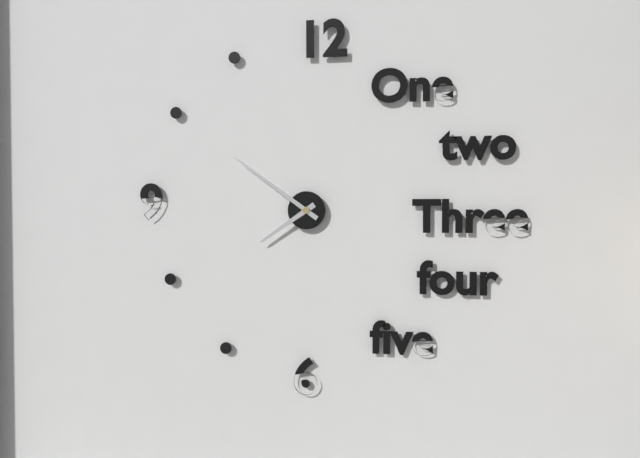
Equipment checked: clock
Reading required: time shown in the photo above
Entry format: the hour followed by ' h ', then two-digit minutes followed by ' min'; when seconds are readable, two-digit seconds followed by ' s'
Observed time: 7 h 51 min
